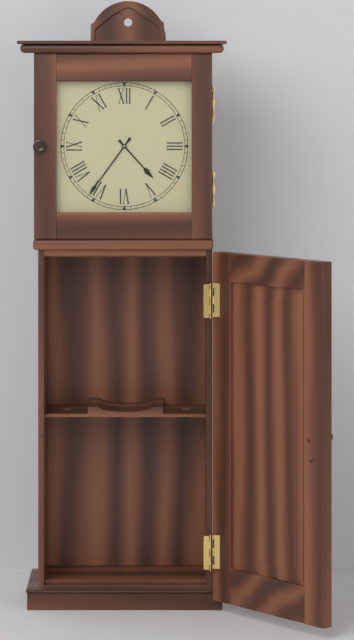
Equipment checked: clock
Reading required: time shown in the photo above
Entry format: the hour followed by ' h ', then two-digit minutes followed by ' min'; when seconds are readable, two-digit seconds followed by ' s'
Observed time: 4 h 36 min
